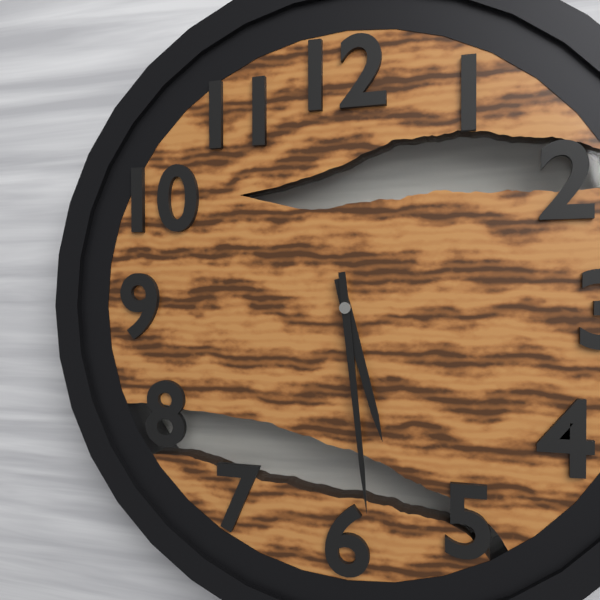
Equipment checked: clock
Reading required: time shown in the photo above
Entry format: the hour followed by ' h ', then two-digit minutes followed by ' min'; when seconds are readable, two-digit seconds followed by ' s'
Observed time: 5 h 29 min
